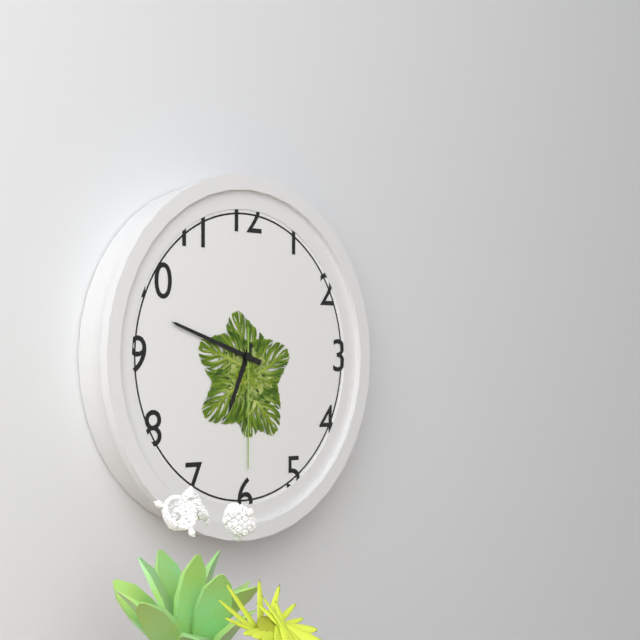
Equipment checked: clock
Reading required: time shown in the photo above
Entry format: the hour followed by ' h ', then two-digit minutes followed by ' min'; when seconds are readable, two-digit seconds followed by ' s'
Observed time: 6 h 48 min 30 s
